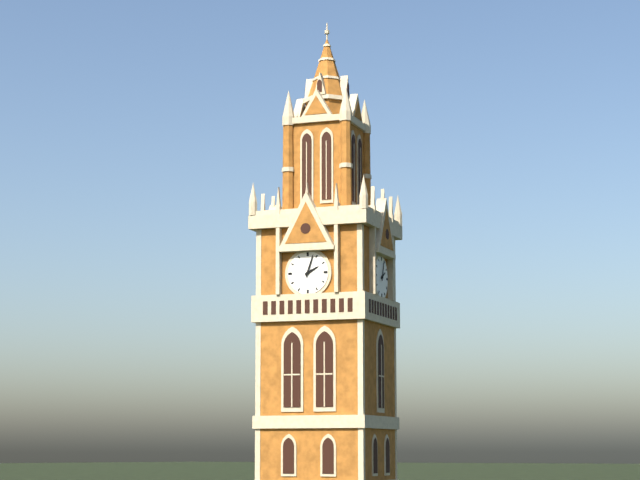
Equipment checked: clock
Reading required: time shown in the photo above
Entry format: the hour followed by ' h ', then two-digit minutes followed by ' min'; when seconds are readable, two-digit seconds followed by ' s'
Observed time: 2 h 03 min
